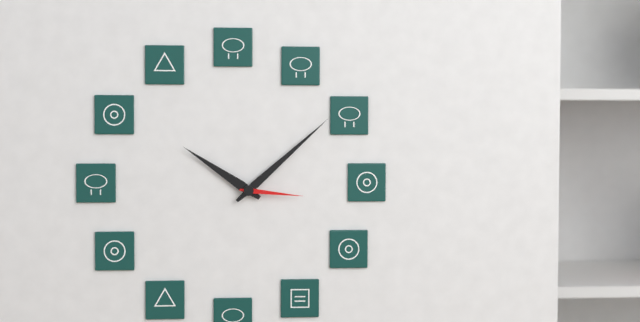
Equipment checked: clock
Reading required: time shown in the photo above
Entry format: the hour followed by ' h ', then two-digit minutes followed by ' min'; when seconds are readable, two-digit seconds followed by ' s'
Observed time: 10 h 08 min 16 s
